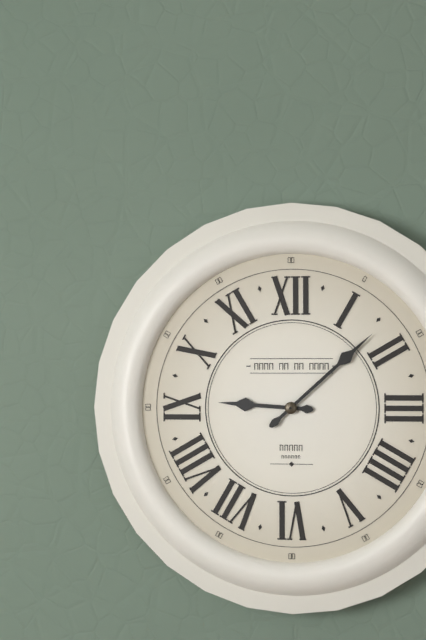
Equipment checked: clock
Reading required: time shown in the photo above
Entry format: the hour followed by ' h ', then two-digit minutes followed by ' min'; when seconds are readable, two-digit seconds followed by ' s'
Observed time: 9 h 08 min
